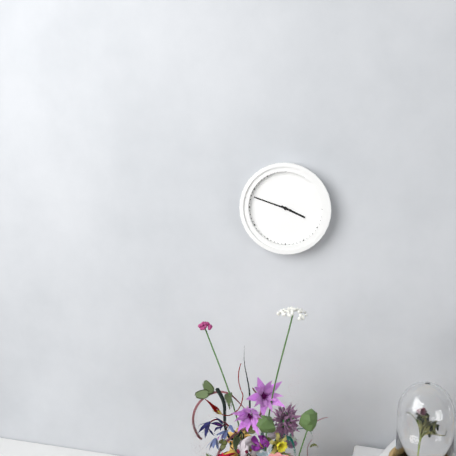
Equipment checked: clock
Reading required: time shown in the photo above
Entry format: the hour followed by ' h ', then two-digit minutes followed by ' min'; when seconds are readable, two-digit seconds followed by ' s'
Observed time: 3 h 48 min
